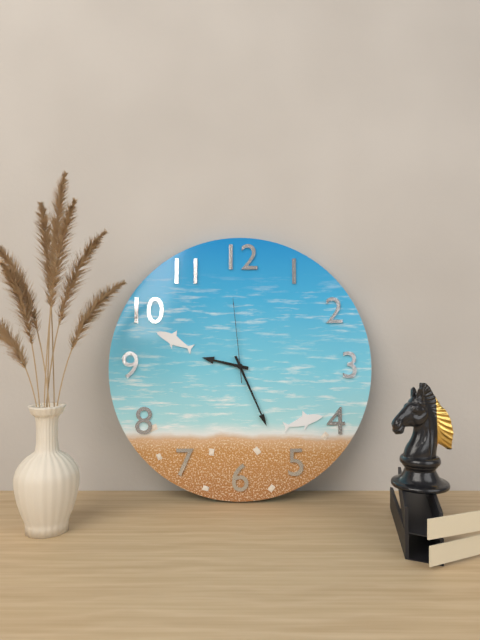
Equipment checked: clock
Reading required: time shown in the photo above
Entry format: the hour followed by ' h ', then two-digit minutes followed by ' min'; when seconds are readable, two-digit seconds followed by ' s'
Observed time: 9 h 26 min 59 s
